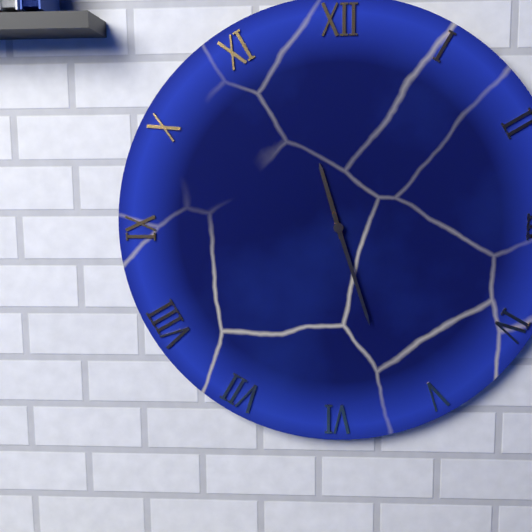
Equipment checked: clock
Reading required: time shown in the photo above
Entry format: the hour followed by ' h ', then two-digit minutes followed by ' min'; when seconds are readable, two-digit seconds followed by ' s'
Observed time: 11 h 27 min
